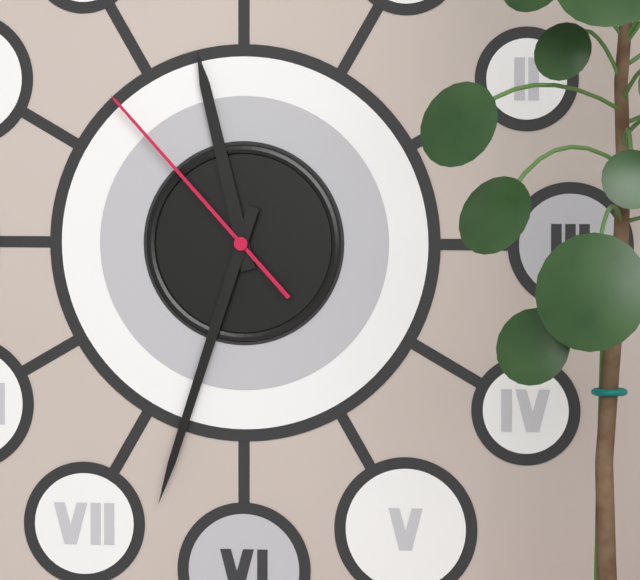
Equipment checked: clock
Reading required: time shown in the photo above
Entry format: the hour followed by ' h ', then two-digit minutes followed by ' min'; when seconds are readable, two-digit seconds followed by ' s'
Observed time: 11 h 33 min 53 s
